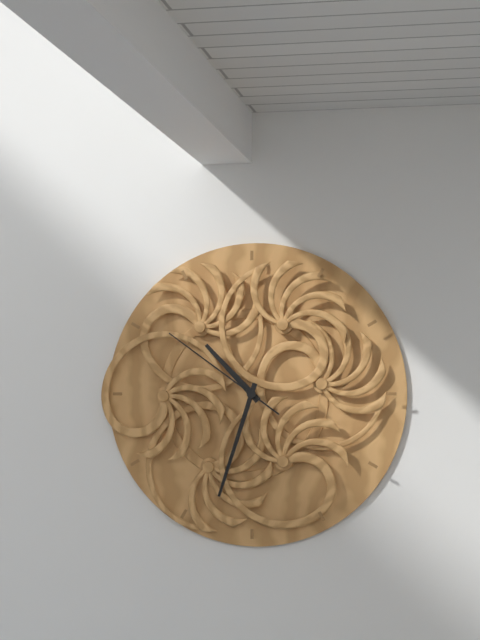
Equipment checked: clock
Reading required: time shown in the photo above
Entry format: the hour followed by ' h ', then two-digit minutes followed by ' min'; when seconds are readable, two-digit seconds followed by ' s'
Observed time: 10 h 33 min 51 s
